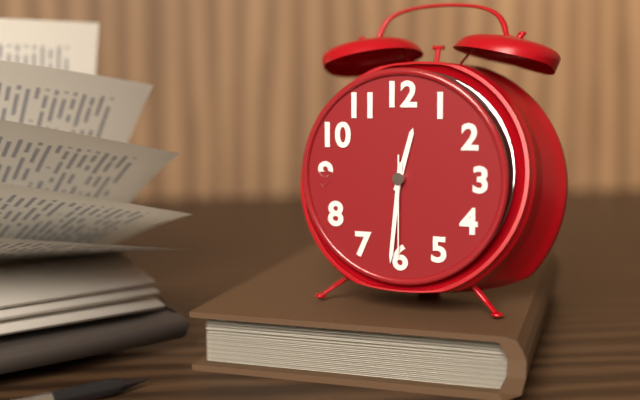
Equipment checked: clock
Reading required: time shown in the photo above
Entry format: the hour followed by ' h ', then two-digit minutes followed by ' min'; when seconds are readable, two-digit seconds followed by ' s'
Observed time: 12 h 31 min 30 s
